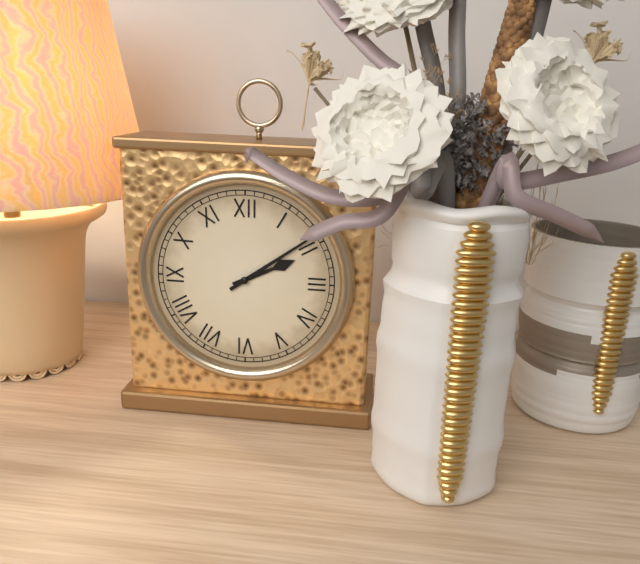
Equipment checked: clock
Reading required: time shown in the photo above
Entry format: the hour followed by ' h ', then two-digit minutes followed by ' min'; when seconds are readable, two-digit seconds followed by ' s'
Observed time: 2 h 09 min
